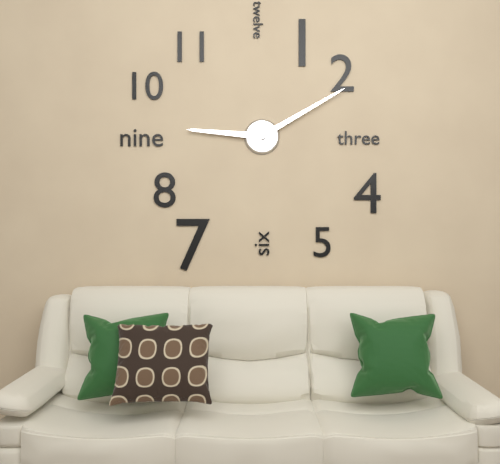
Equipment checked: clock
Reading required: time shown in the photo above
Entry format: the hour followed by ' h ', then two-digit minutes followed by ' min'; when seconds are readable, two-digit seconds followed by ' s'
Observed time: 9 h 10 min
